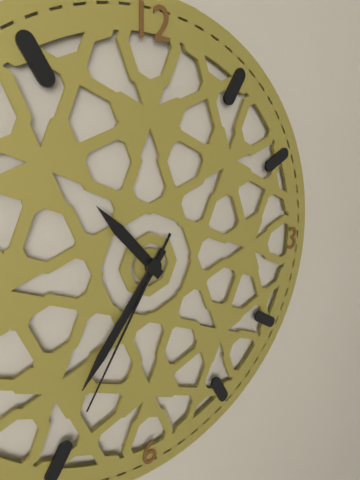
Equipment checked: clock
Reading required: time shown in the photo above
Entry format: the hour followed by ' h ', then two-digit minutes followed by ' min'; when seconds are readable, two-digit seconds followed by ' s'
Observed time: 10 h 36 min 35 s
